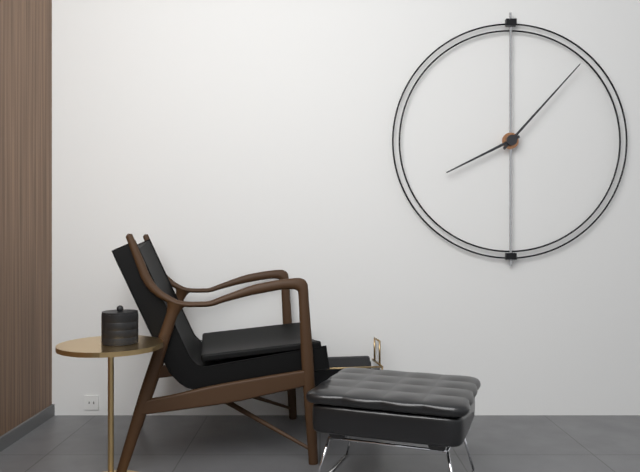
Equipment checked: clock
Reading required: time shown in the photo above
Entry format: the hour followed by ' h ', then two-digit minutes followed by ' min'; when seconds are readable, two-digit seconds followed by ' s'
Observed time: 8 h 07 min
